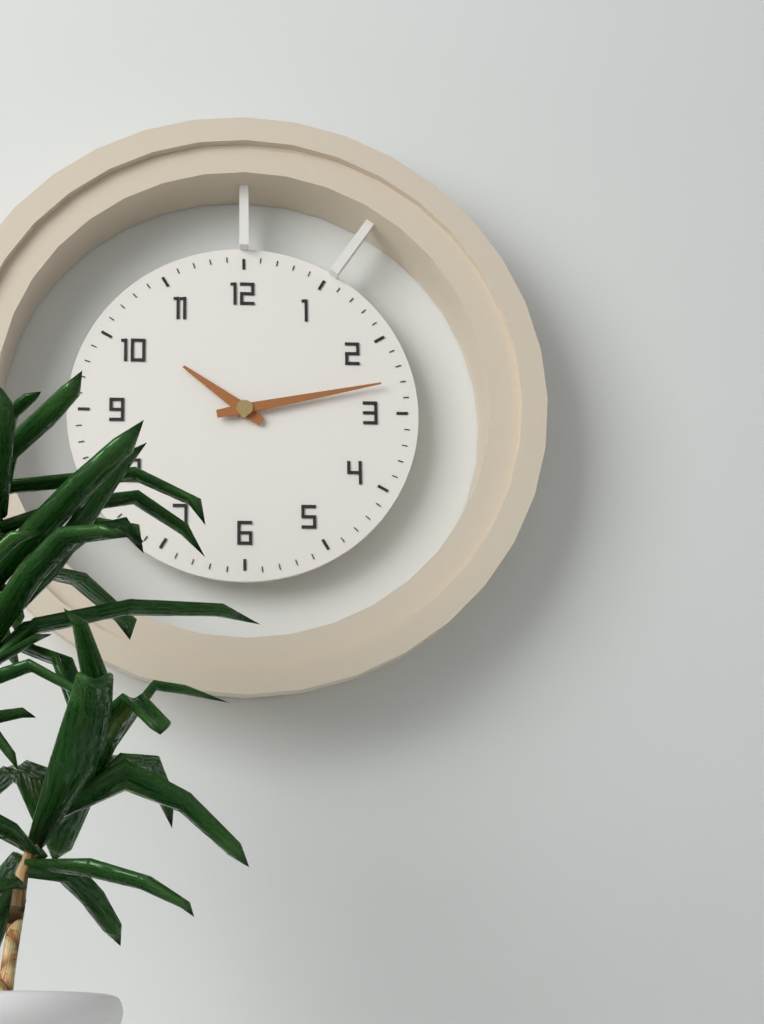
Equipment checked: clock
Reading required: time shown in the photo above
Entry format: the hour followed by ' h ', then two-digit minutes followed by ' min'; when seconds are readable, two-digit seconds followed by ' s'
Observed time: 10 h 13 min
